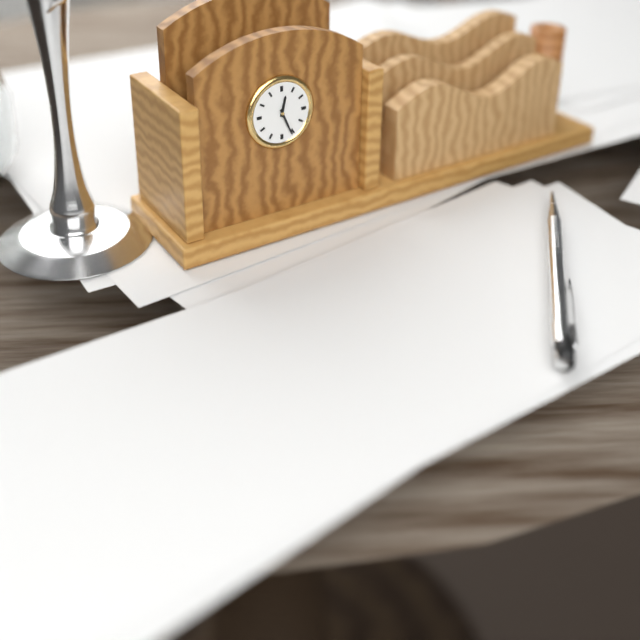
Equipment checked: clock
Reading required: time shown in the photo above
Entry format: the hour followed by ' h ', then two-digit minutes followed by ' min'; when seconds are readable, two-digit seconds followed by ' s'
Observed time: 12 h 26 min
